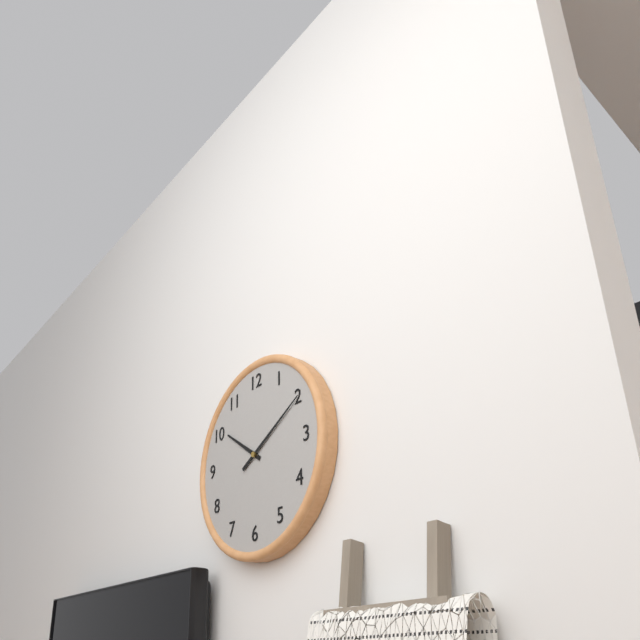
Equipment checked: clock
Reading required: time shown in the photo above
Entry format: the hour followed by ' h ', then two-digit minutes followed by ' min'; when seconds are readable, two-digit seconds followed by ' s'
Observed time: 10 h 10 min
